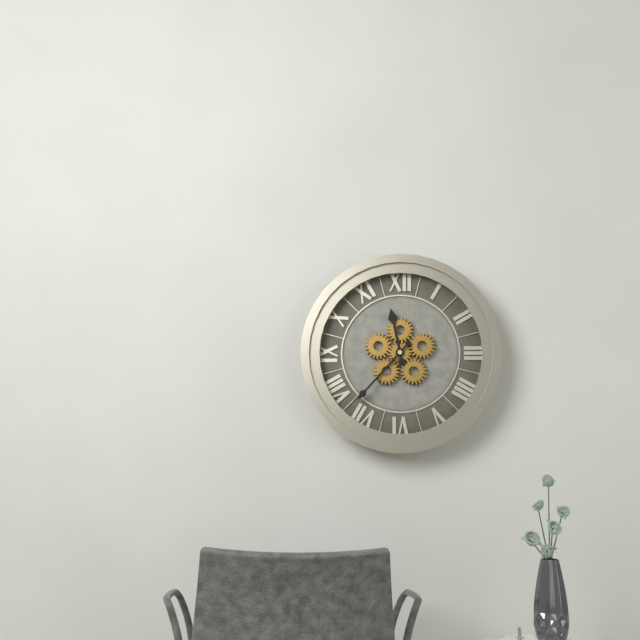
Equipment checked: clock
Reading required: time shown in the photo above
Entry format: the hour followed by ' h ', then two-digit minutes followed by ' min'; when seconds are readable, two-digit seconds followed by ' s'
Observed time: 11 h 37 min
